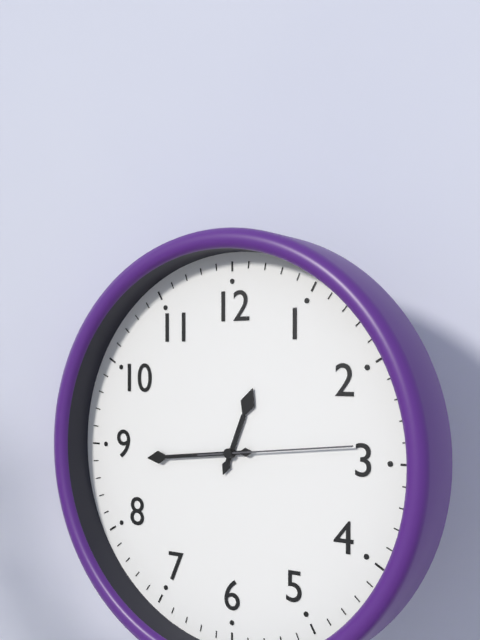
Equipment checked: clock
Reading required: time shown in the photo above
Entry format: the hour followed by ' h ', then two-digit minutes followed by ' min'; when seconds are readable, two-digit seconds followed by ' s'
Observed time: 12 h 44 min 14 s
